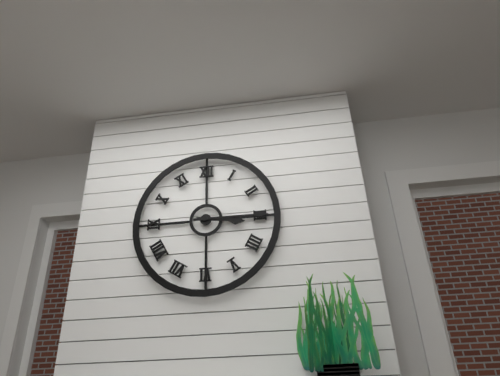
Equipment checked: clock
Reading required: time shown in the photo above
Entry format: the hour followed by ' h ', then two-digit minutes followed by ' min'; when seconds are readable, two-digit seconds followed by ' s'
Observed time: 3 h 15 min
